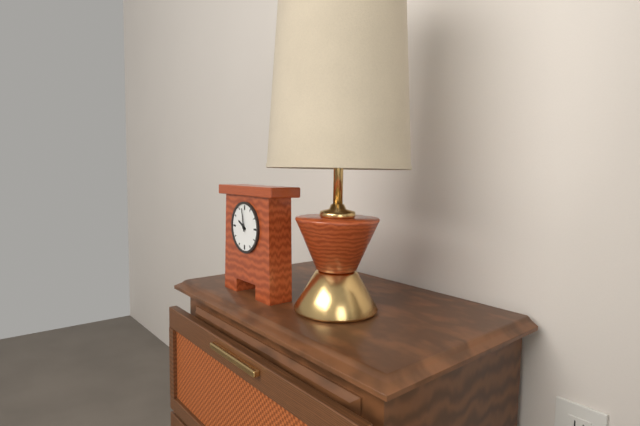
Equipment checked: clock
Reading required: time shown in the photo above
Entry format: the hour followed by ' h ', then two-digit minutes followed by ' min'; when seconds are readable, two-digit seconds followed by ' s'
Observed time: 9 h 58 min
